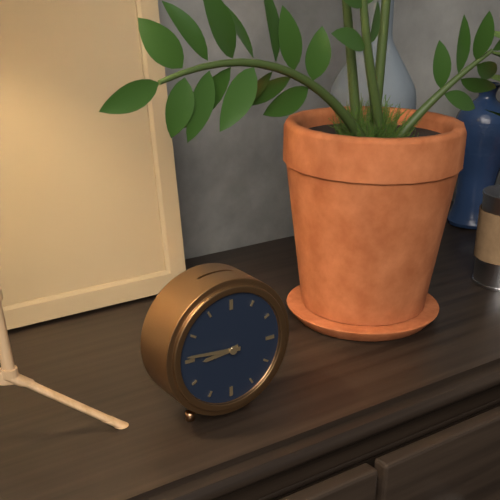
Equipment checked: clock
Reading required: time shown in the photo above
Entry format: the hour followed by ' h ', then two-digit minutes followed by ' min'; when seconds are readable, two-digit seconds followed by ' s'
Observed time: 8 h 46 min
